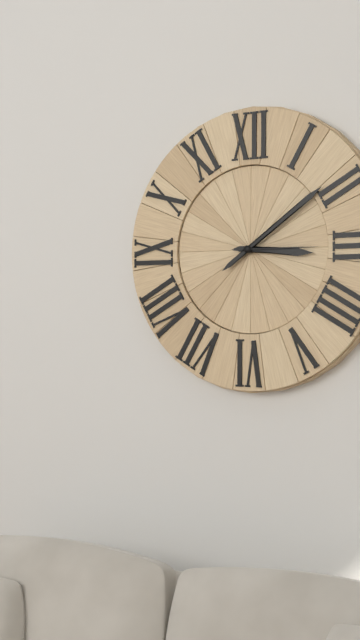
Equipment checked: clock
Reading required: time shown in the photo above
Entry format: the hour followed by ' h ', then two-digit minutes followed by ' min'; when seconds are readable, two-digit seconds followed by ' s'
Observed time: 3 h 09 min 15 s
